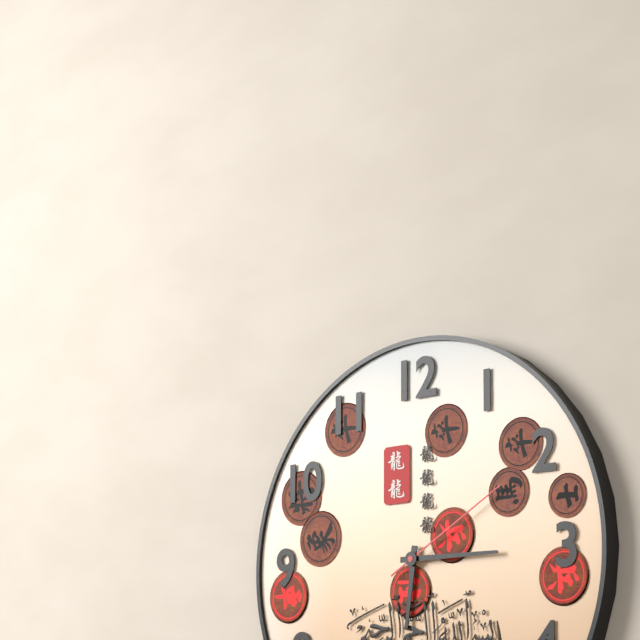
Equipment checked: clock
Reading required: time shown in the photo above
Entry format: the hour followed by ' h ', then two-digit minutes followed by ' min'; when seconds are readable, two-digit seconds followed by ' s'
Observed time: 6 h 15 min 10 s
